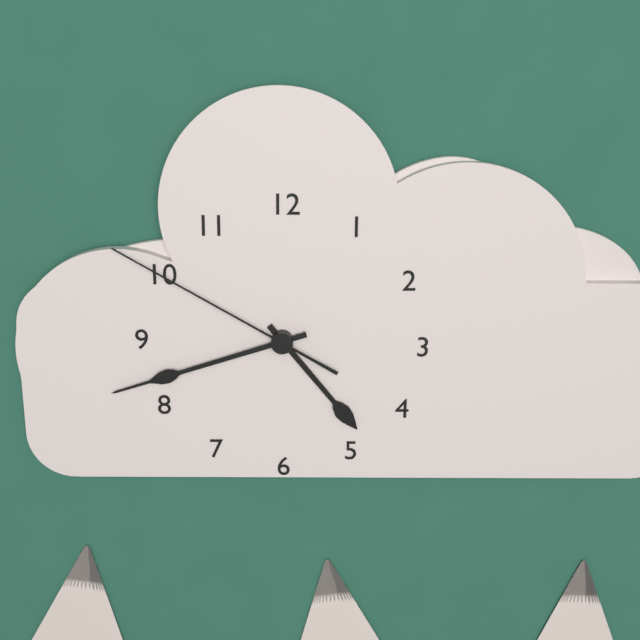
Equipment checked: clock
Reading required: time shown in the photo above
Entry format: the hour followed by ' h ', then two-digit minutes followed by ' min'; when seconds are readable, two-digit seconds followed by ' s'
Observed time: 4 h 42 min 50 s
